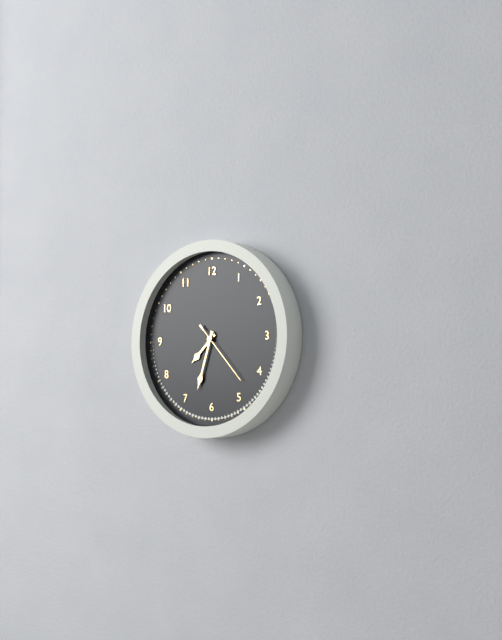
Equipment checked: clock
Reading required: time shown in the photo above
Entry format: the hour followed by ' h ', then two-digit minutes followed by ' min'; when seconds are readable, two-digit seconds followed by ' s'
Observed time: 7 h 33 min 23 s
